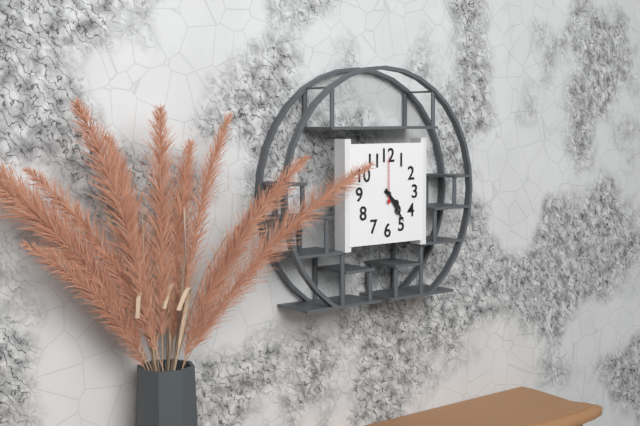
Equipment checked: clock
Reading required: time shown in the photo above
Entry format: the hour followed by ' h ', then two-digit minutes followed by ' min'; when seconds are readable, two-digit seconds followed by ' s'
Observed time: 4 h 24 min
